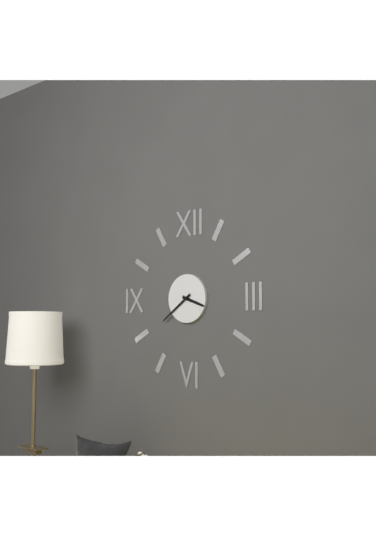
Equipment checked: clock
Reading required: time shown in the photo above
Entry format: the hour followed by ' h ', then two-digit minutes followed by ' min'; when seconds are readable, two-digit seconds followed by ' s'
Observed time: 3 h 39 min
